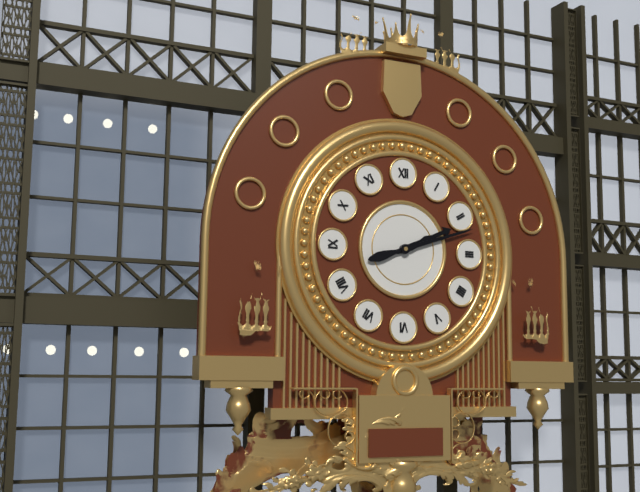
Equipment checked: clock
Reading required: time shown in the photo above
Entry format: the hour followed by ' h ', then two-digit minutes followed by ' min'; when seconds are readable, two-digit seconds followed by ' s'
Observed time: 2 h 12 min
